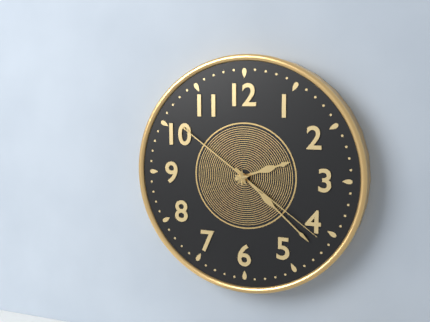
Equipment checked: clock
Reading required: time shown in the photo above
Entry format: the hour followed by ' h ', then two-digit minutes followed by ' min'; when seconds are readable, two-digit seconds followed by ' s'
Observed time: 2 h 22 min 21 s
